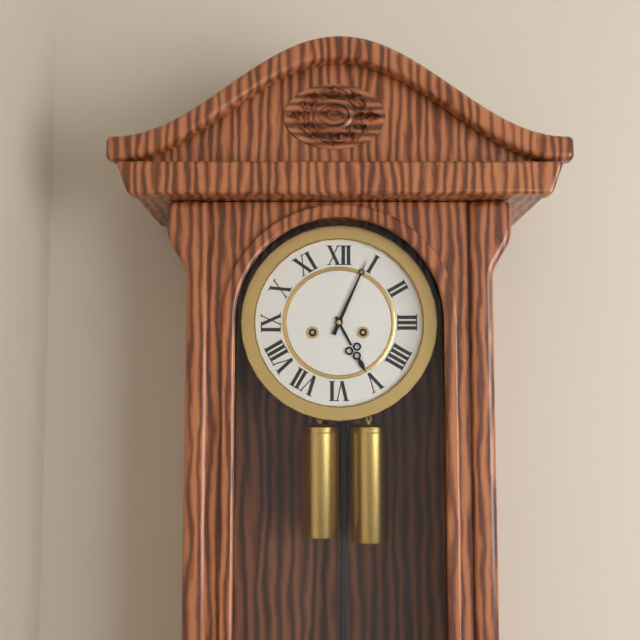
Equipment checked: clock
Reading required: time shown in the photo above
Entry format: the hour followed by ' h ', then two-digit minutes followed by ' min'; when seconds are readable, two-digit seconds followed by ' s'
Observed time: 5 h 04 min
